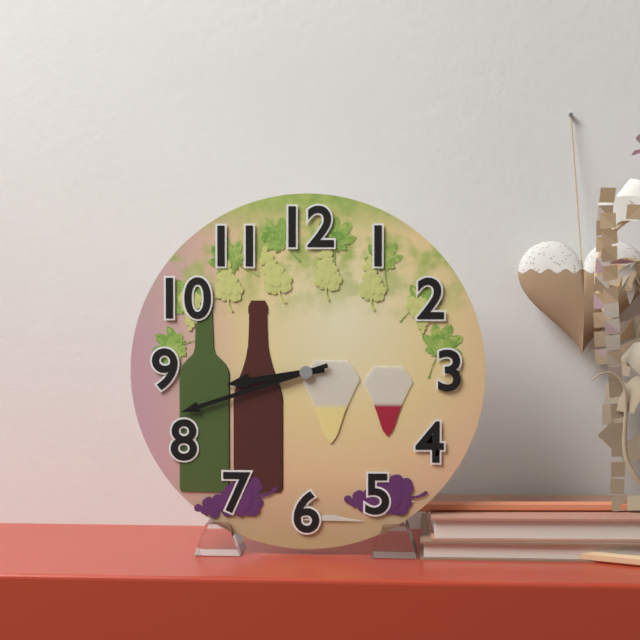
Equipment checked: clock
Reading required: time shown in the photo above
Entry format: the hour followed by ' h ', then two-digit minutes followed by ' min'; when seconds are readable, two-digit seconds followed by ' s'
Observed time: 8 h 42 min
